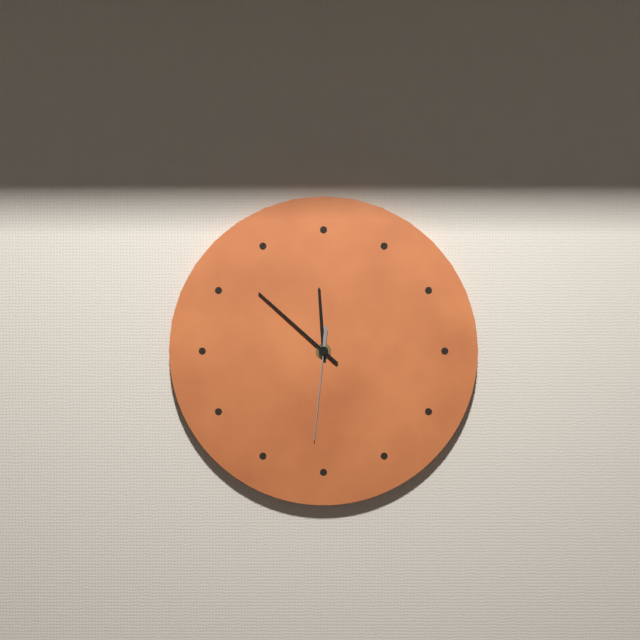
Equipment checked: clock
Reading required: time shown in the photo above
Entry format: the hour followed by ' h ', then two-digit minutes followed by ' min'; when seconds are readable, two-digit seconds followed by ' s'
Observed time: 11 h 52 min 31 s
